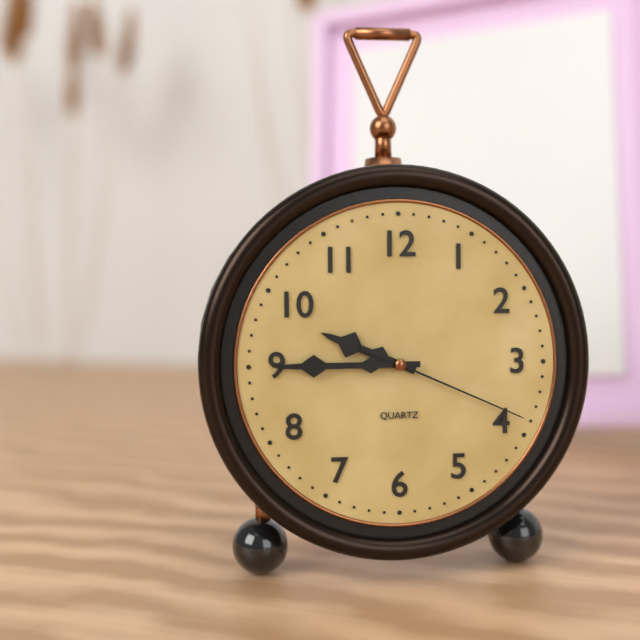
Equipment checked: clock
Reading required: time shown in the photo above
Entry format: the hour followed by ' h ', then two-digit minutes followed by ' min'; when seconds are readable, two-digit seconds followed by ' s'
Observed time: 9 h 45 min 19 s
